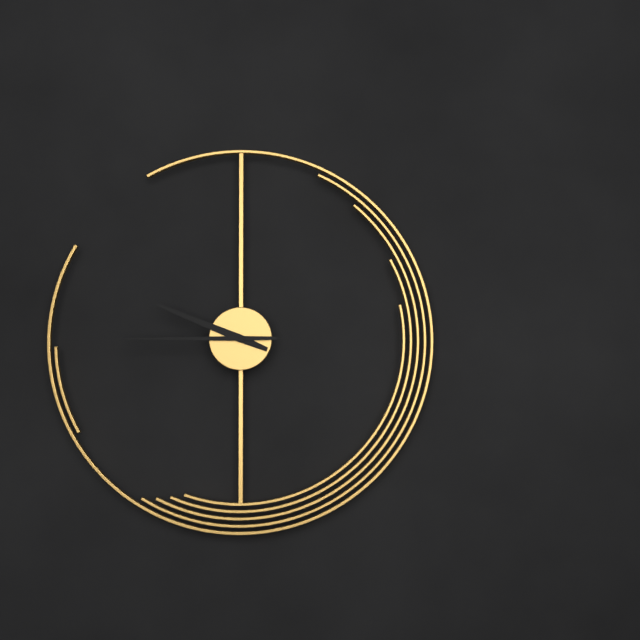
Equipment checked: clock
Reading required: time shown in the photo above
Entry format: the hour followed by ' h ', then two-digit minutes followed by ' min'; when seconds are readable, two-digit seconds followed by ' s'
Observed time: 9 h 45 min
